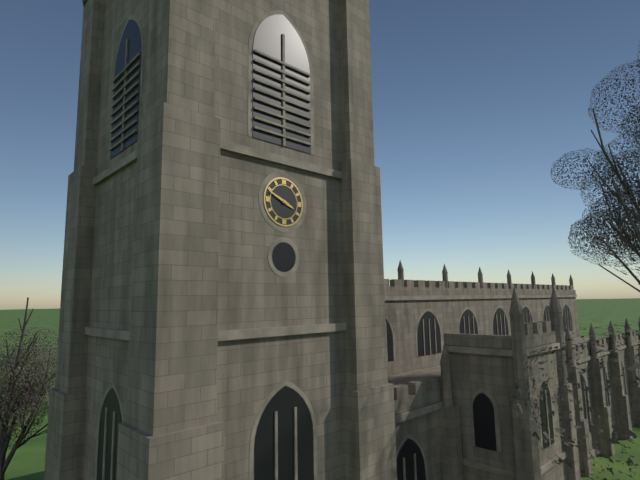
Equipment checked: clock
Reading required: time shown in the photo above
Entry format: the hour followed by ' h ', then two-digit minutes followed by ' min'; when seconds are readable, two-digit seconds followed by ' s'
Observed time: 3 h 49 min
